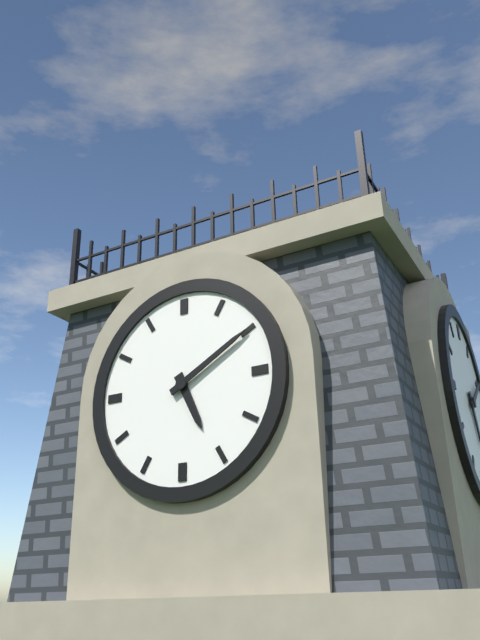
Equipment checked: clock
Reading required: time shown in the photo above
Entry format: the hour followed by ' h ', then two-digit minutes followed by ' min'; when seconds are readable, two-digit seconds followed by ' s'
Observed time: 5 h 10 min
